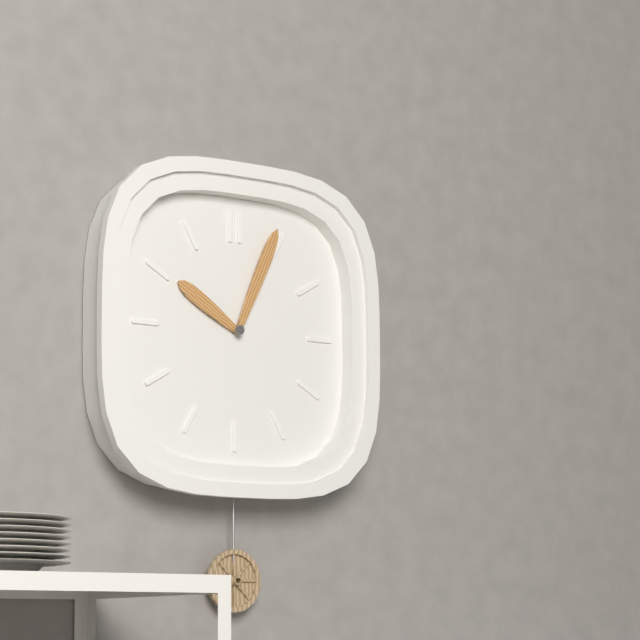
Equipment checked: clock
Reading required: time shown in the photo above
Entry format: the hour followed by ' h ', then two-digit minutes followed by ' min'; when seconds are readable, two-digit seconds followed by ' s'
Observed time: 10 h 04 min
